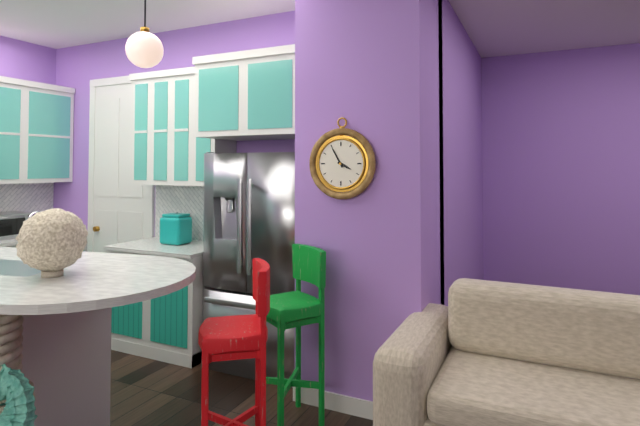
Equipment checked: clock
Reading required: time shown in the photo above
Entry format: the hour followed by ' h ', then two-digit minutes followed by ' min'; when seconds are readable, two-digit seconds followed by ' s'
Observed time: 3 h 55 min
